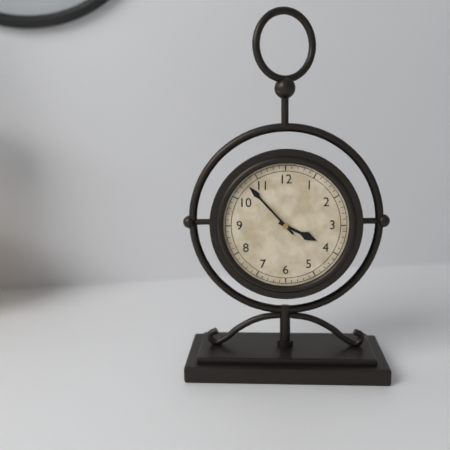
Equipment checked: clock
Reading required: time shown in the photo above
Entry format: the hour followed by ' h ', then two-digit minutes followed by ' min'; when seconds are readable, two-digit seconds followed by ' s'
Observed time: 3 h 53 min
